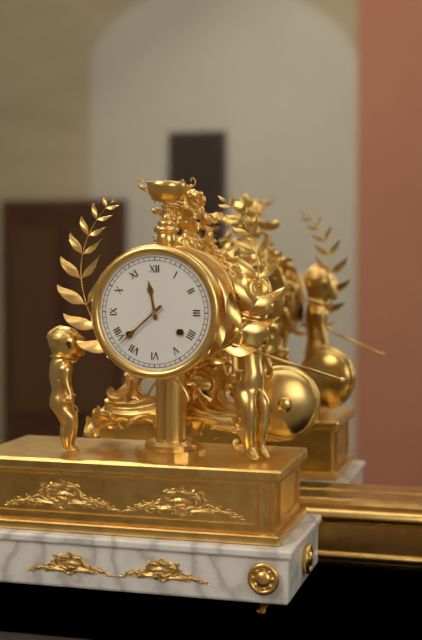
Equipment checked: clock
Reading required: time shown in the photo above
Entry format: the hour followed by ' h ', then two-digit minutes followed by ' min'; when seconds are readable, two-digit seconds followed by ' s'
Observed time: 11 h 38 min
